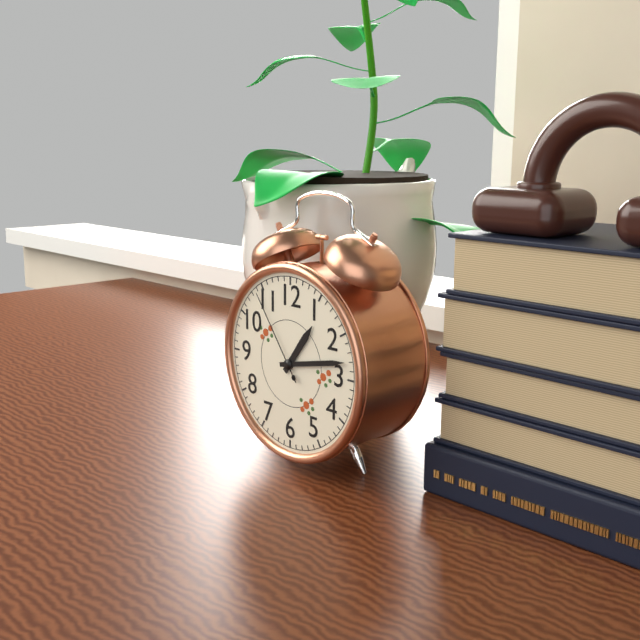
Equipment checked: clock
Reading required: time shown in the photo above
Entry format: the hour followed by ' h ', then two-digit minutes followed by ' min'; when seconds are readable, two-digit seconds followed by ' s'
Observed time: 1 h 13 min 54 s
